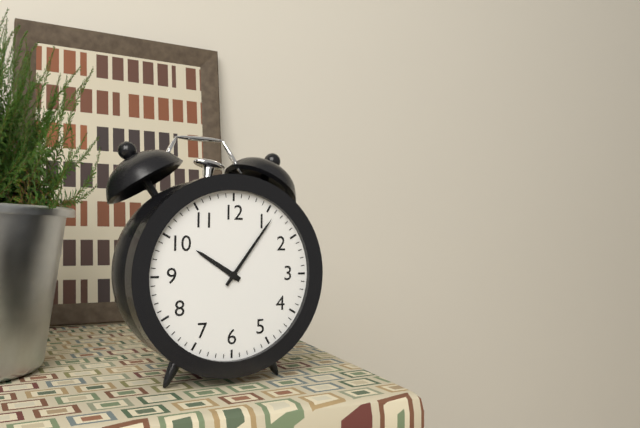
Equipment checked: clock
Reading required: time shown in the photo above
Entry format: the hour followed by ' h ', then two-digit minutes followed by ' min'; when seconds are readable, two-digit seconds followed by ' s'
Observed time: 10 h 06 min
